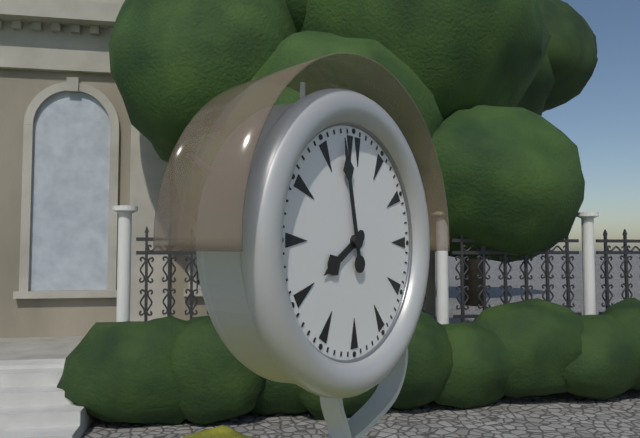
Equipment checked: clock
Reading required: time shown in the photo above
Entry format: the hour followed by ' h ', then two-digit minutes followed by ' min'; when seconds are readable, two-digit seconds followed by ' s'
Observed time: 7 h 58 min
